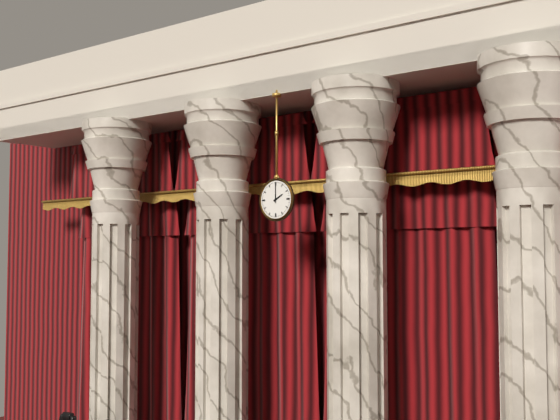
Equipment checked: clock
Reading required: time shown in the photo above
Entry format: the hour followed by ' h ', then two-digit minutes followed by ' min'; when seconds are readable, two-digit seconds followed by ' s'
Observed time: 2 h 00 min
